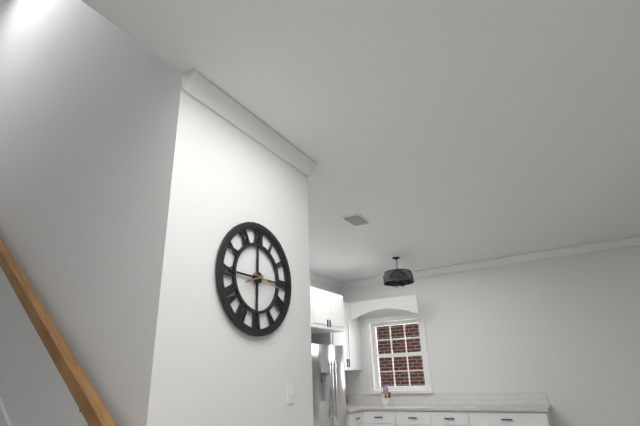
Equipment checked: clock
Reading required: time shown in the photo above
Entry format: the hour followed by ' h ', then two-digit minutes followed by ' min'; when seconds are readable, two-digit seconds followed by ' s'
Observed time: 8 h 17 min
